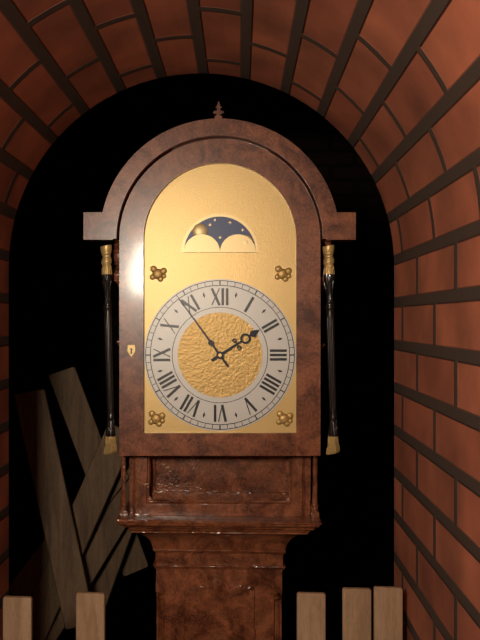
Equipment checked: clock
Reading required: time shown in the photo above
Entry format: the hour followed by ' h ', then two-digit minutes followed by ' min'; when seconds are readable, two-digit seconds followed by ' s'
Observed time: 1 h 54 min
